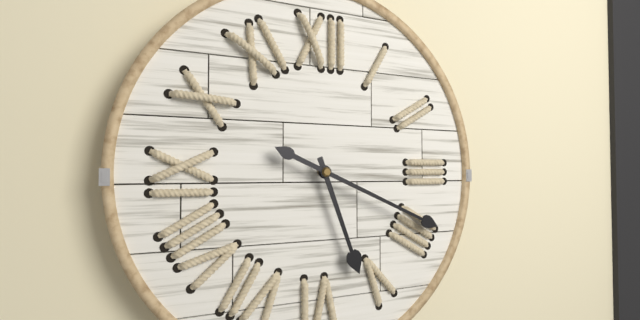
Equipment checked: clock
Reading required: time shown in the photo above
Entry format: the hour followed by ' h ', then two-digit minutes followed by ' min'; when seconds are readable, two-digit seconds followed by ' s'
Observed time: 5 h 19 min
